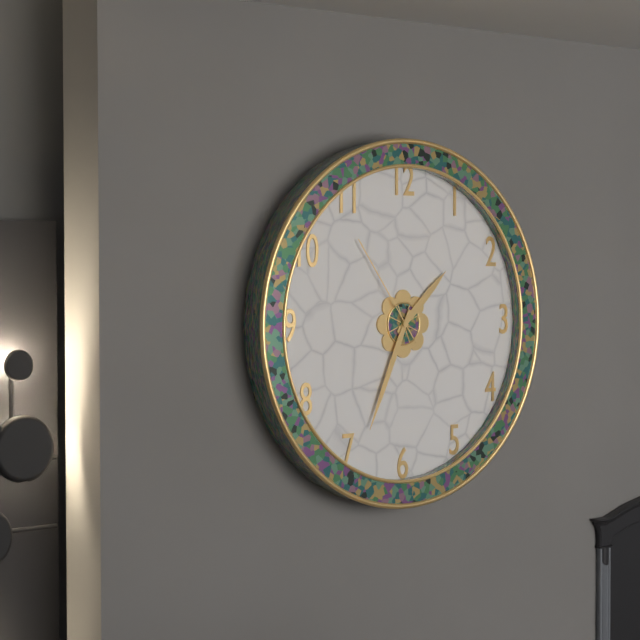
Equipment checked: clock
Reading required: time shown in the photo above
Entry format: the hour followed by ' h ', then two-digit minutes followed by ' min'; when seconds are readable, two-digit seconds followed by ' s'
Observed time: 1 h 34 min 54 s
